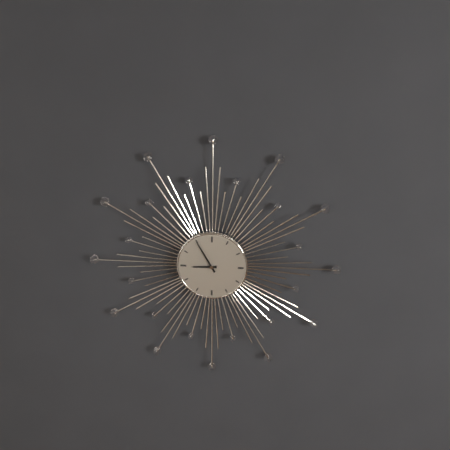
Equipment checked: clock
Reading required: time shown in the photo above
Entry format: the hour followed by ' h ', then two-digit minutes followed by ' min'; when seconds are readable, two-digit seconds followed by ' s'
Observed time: 8 h 55 min
